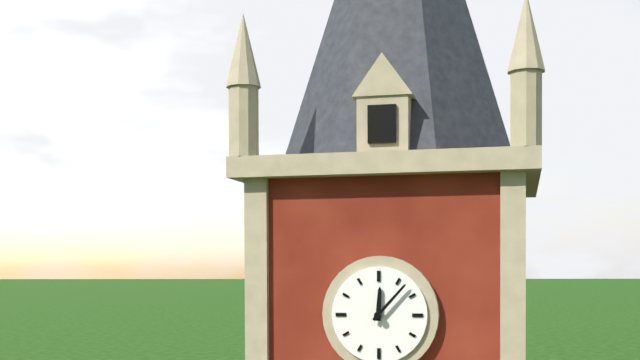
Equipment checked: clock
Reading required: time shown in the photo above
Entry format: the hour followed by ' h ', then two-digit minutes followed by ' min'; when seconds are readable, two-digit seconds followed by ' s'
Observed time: 12 h 07 min
